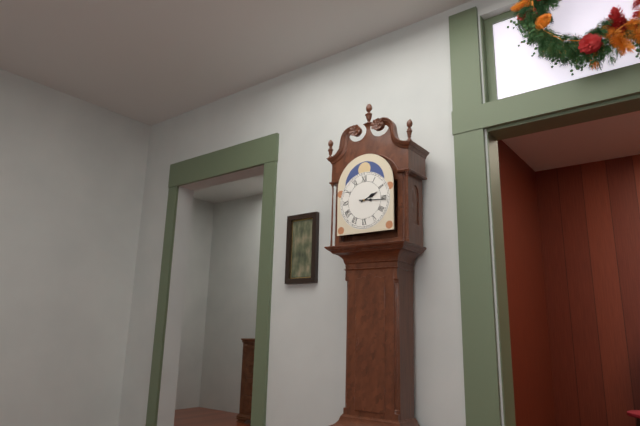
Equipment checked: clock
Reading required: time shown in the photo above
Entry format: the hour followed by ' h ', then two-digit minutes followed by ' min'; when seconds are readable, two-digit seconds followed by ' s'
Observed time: 2 h 16 min
